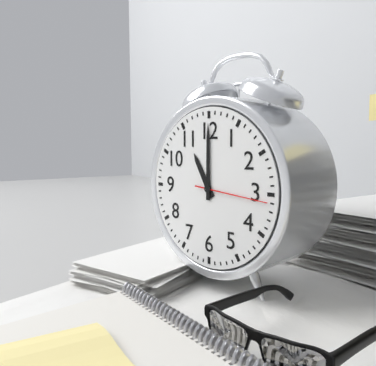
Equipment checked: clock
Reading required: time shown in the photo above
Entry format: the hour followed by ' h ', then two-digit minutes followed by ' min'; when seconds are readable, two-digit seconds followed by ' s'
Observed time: 11 h 00 min 16 s
